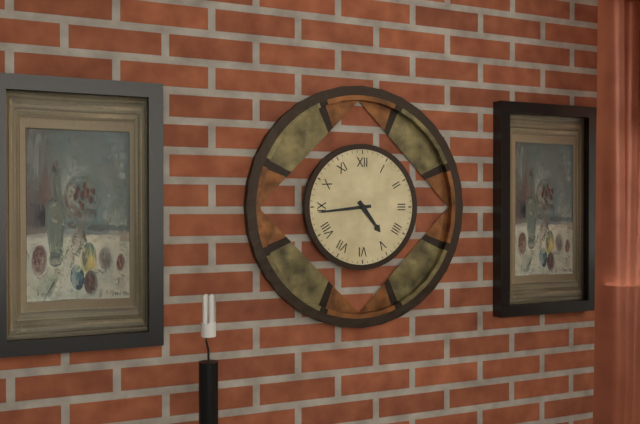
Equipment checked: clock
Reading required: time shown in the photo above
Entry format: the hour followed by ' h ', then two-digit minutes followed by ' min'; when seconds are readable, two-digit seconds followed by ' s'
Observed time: 4 h 44 min
